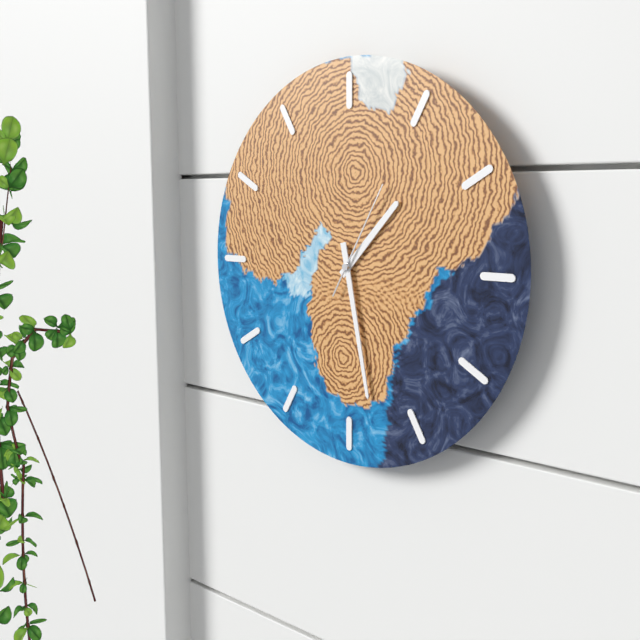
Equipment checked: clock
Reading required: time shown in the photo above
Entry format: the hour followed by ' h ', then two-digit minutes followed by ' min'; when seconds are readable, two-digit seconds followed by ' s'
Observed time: 1 h 28 min 05 s
